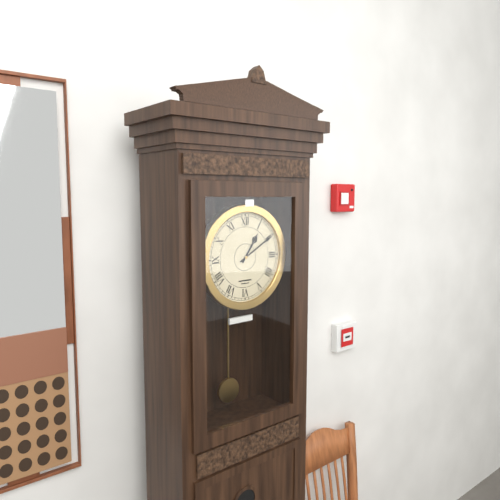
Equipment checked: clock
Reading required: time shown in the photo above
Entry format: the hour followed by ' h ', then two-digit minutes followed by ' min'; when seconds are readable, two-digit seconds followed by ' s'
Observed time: 1 h 10 min
